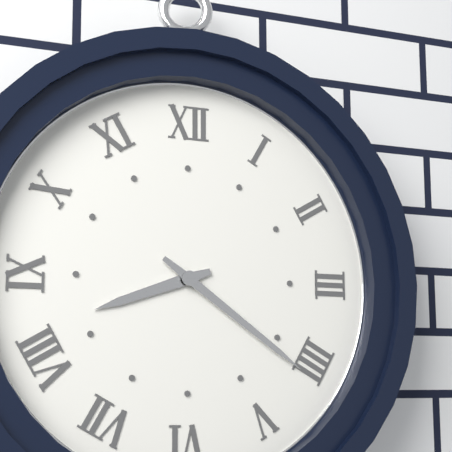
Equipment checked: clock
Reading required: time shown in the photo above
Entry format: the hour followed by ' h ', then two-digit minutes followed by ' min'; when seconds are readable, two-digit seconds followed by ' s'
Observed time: 8 h 21 min
